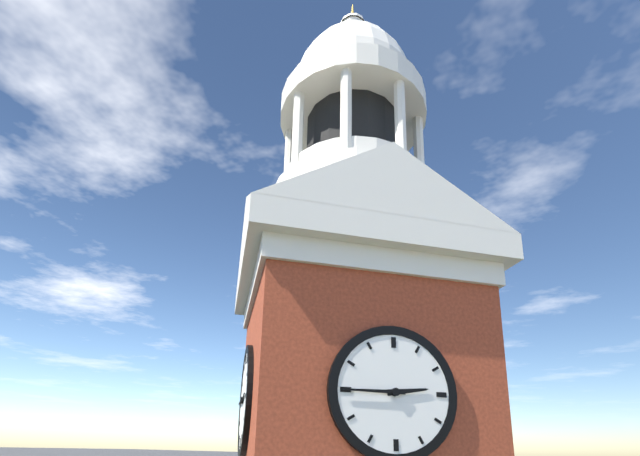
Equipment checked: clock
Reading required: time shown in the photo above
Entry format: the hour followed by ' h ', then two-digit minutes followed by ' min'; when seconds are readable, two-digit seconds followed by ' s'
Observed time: 2 h 45 min
